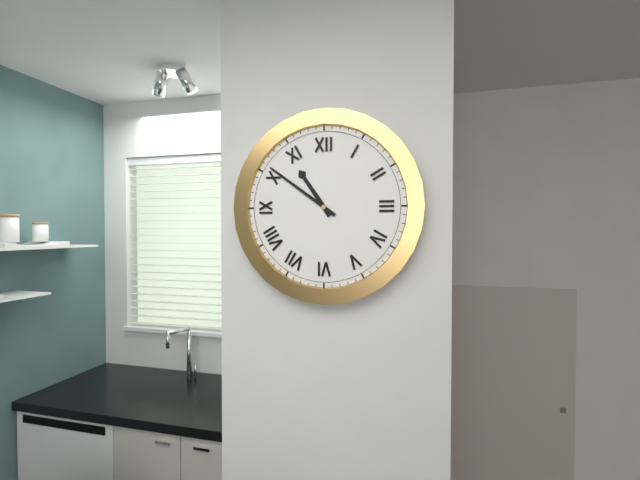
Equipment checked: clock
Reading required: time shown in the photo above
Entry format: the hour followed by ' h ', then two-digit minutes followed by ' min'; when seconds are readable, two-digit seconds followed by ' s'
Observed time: 10 h 51 min
